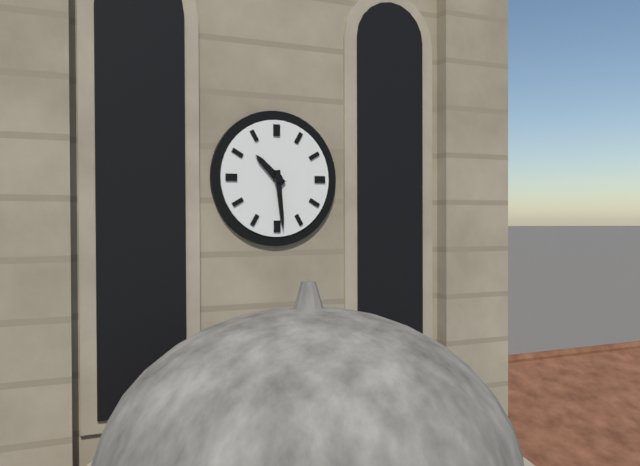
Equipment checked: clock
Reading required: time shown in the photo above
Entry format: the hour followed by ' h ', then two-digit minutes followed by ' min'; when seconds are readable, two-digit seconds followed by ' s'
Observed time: 10 h 29 min
